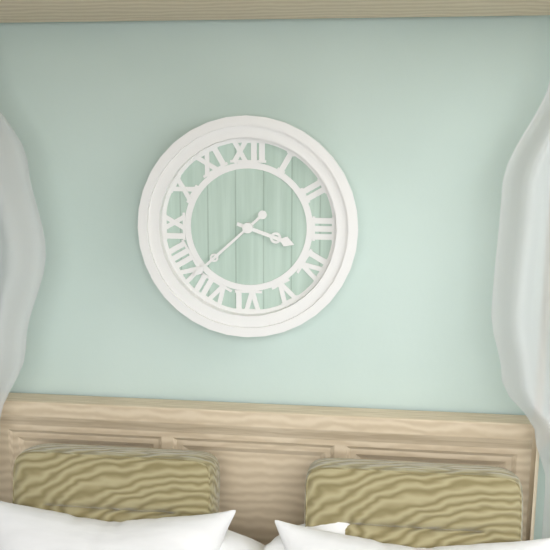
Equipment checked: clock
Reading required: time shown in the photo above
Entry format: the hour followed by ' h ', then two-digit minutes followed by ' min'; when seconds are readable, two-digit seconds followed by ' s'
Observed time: 3 h 38 min
